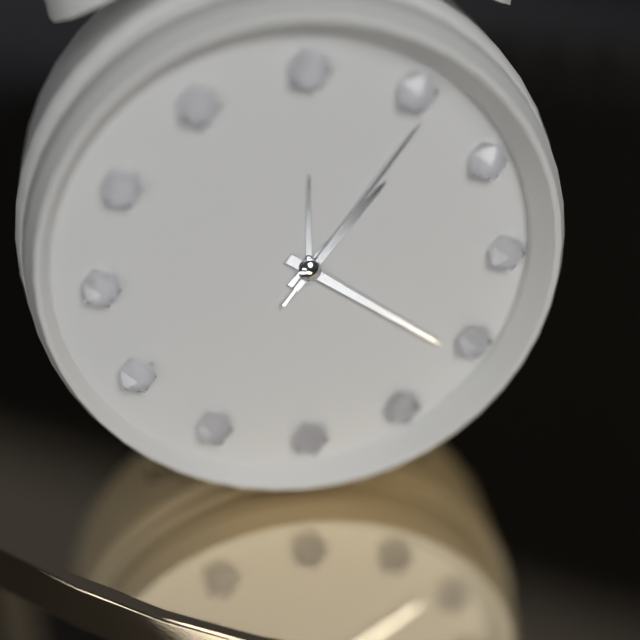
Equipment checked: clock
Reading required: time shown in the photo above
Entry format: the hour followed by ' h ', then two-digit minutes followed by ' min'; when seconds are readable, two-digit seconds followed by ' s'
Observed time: 1 h 21 min 06 s
